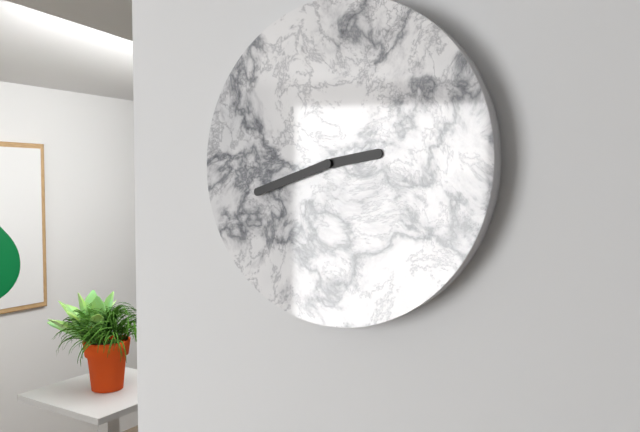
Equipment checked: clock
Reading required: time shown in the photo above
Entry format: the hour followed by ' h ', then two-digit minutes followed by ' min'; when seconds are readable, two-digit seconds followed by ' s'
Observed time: 2 h 42 min
